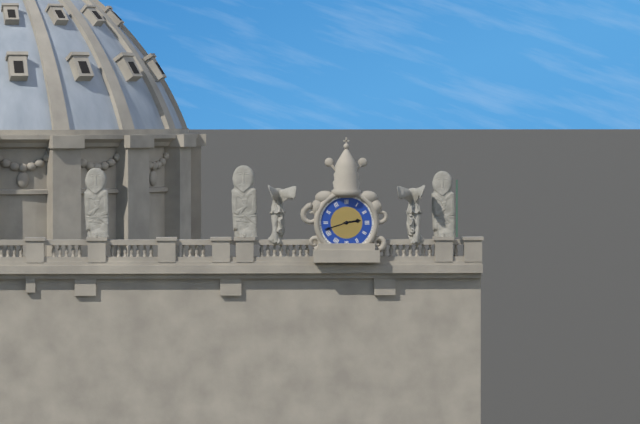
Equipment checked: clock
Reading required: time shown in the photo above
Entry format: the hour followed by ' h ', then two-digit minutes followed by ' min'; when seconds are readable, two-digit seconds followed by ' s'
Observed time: 2 h 42 min
